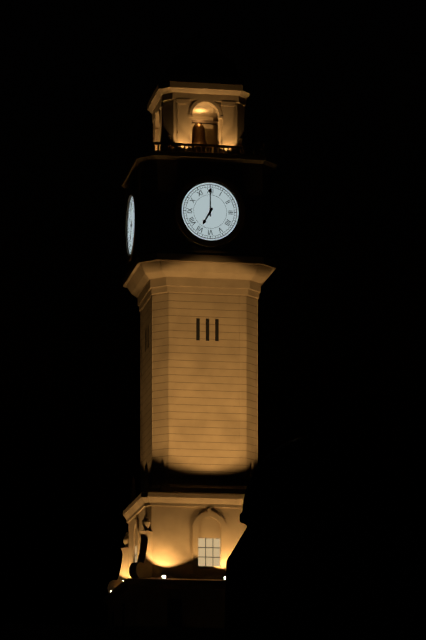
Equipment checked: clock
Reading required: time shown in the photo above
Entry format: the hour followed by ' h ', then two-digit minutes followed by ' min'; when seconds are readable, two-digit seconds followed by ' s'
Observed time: 7 h 00 min
